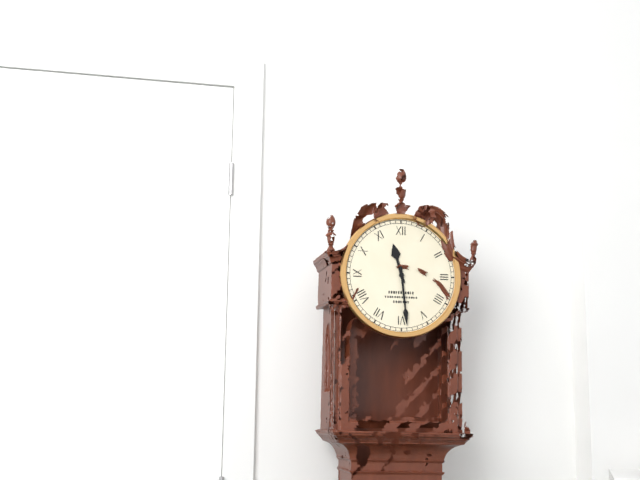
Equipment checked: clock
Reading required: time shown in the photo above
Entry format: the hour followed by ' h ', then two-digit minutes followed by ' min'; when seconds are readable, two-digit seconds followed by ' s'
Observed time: 11 h 29 min
